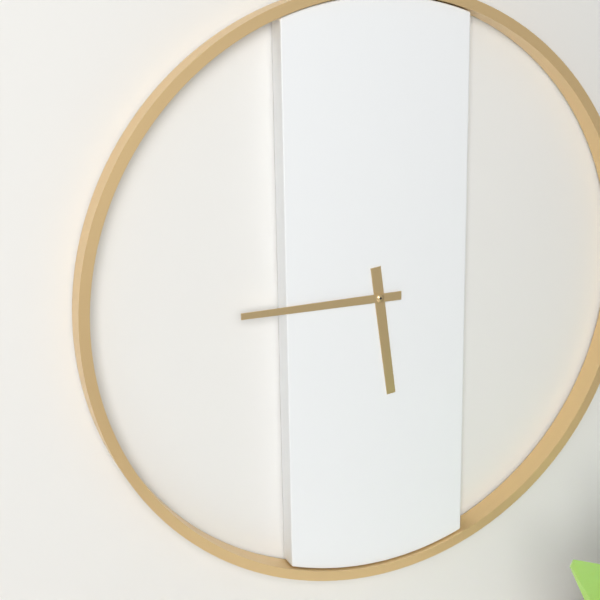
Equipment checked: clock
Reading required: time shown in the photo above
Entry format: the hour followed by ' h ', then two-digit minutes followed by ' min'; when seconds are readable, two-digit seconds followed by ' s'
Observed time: 5 h 45 min
